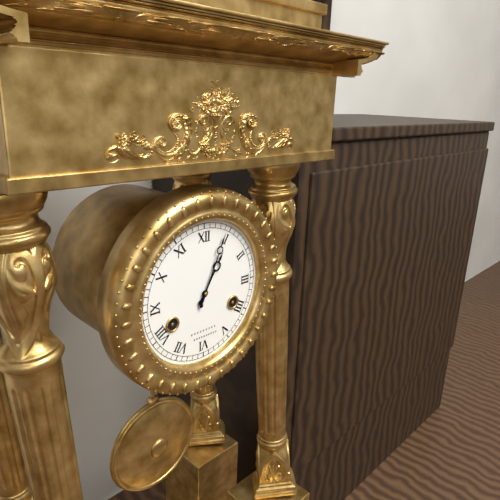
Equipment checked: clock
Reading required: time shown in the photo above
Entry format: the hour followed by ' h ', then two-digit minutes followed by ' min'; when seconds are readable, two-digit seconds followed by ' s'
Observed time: 1 h 04 min
